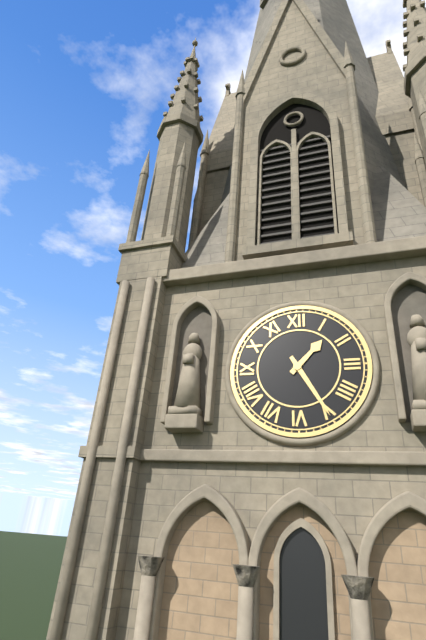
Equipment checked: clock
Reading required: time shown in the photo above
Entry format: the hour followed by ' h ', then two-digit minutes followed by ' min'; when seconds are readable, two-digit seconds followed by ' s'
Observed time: 1 h 25 min
